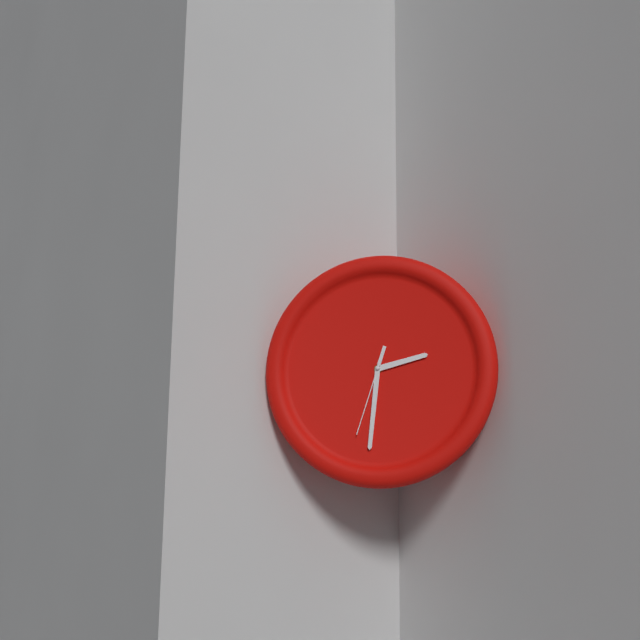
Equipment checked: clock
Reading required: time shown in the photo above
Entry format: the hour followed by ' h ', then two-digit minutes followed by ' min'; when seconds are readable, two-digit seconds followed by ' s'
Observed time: 2 h 31 min 33 s
